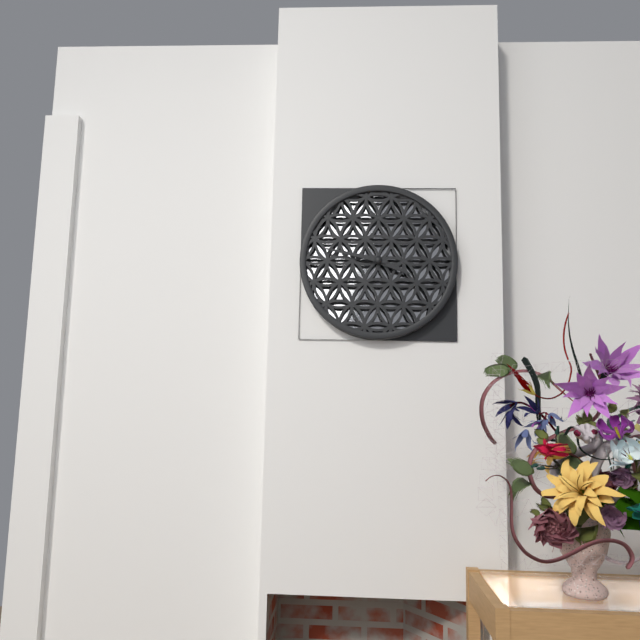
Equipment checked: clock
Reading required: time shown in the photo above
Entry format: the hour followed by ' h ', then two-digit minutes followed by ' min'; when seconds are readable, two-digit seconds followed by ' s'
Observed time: 3 h 47 min
